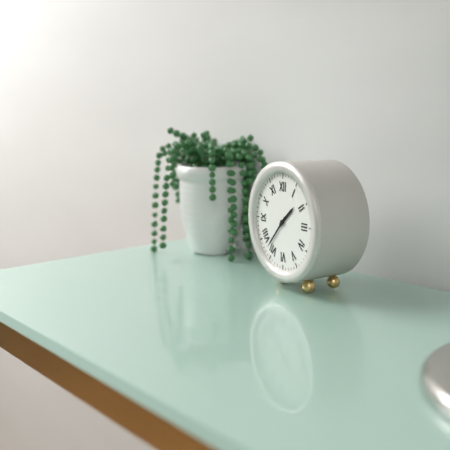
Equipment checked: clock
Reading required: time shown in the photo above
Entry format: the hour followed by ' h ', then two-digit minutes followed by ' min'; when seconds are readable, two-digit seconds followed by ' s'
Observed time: 1 h 37 min
